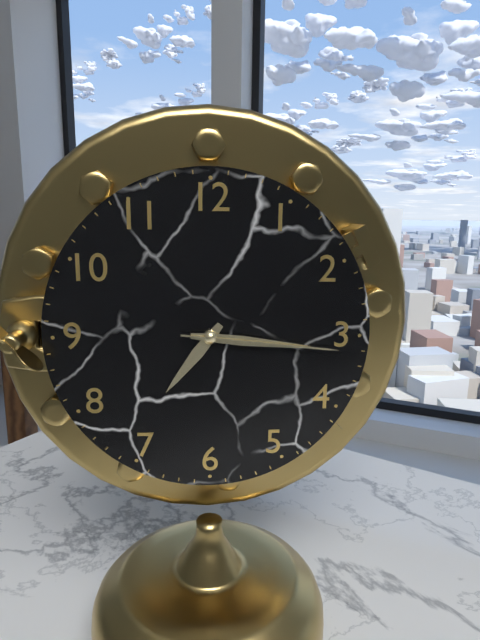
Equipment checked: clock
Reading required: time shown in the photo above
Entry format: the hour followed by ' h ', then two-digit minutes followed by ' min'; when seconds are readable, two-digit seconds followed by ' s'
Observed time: 7 h 16 min 16 s
